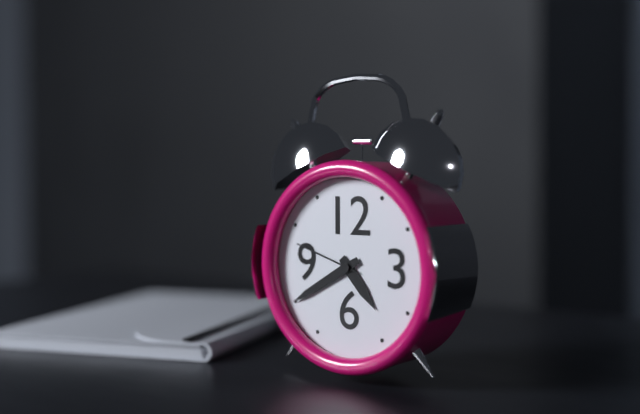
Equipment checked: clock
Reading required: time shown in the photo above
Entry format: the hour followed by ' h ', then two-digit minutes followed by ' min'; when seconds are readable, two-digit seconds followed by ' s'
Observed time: 4 h 40 min 48 s
